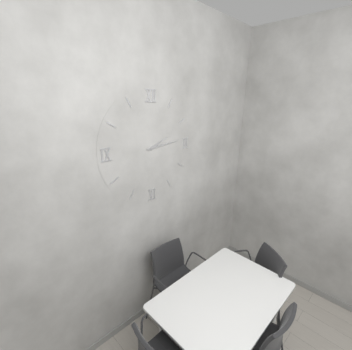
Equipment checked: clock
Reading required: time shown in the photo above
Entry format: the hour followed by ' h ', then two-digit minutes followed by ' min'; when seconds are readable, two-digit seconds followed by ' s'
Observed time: 2 h 14 min
